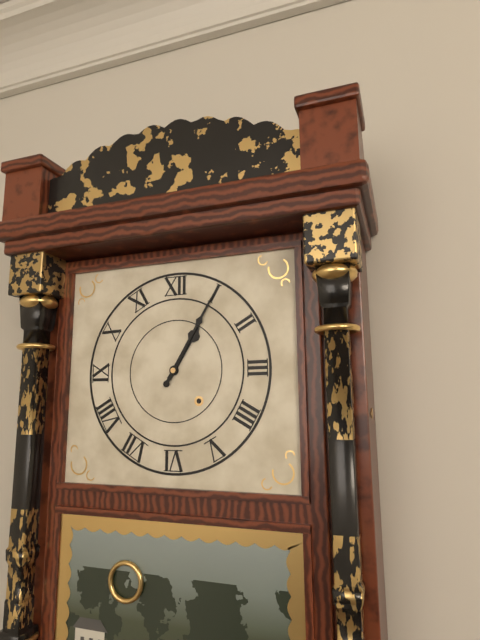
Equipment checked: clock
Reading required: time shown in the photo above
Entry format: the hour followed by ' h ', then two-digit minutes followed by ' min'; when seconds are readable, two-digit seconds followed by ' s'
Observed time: 1 h 05 min
